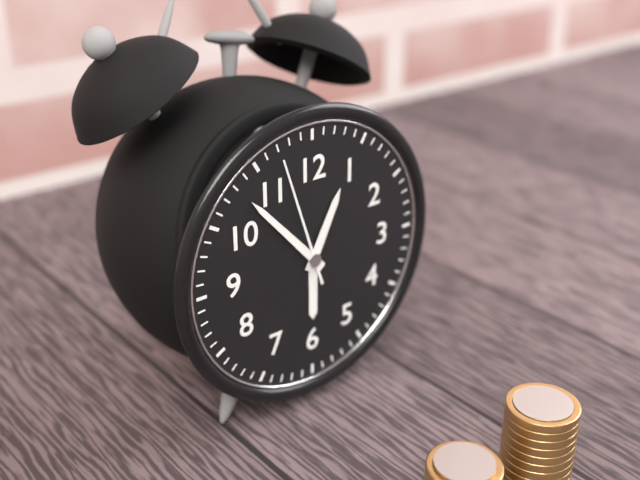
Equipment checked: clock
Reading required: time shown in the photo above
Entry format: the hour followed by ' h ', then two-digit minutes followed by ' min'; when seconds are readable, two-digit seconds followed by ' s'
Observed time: 12 h 53 min 57 s
